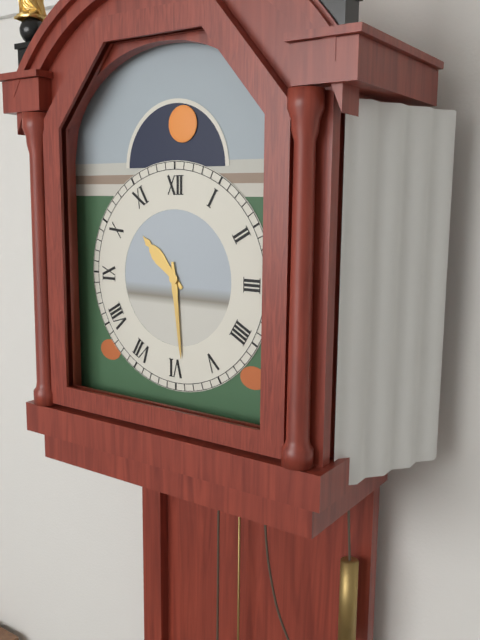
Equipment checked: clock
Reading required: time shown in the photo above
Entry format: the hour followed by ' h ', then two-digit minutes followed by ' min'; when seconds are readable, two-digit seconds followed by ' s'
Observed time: 10 h 29 min
